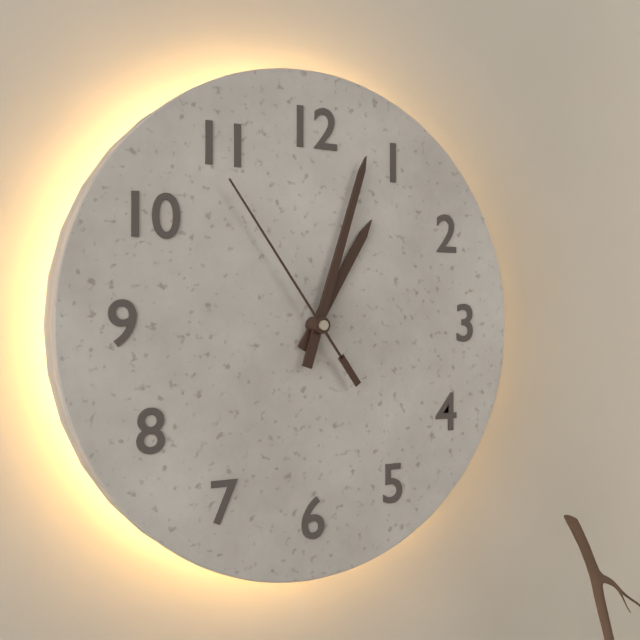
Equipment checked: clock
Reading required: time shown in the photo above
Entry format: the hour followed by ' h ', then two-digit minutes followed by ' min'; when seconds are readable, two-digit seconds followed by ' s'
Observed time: 1 h 03 min 54 s
